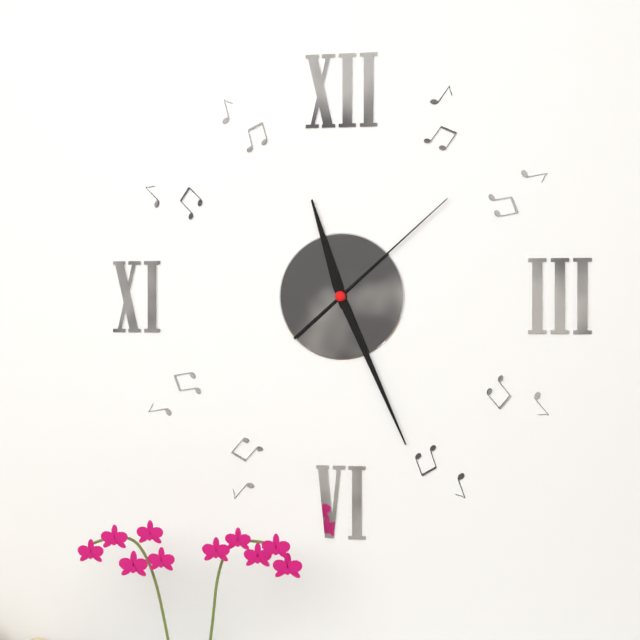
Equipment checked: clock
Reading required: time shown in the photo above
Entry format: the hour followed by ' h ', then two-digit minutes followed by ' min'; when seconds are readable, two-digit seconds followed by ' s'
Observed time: 11 h 26 min 08 s
